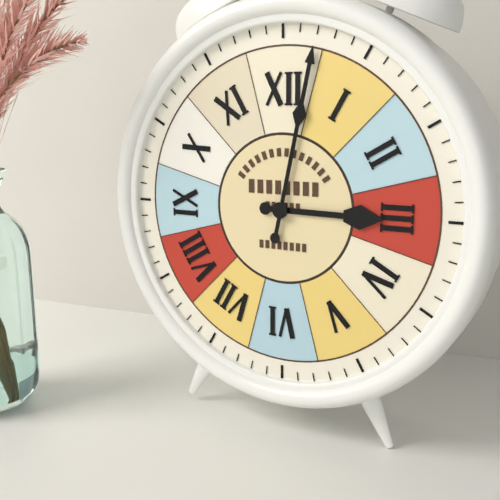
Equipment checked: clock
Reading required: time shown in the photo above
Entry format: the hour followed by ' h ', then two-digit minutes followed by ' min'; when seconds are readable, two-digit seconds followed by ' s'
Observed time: 3 h 02 min
